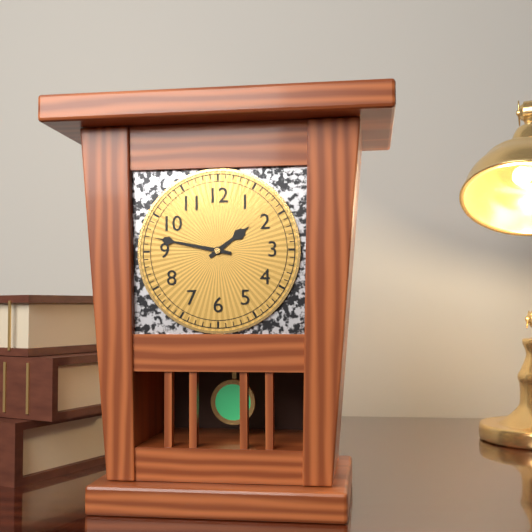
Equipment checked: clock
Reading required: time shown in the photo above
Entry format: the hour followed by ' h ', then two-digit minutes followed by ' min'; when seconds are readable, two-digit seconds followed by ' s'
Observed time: 1 h 47 min
